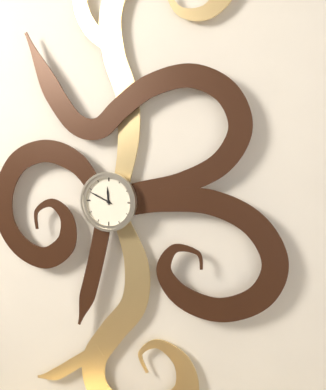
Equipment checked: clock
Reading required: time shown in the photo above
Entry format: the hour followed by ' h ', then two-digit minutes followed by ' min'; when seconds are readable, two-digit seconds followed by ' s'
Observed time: 11 h 49 min
